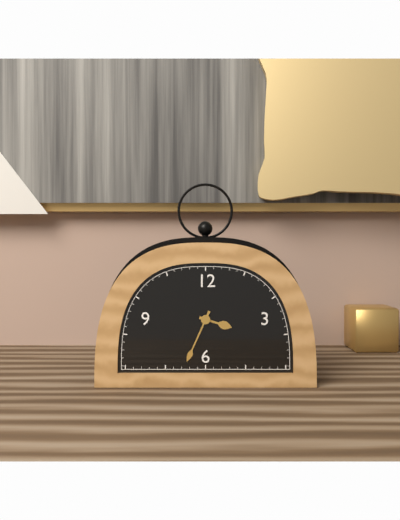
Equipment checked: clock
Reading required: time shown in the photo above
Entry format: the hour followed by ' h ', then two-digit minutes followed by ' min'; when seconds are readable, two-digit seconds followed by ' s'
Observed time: 3 h 34 min
